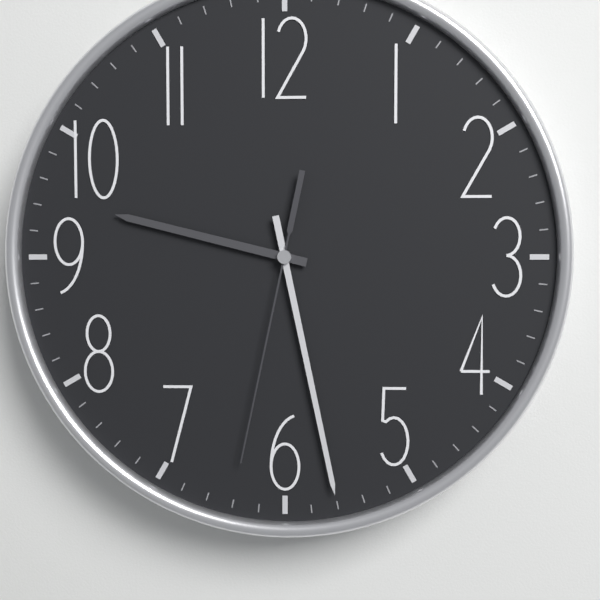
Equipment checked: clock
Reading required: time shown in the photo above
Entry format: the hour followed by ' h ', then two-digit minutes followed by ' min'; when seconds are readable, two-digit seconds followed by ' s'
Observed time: 9 h 28 min 32 s
